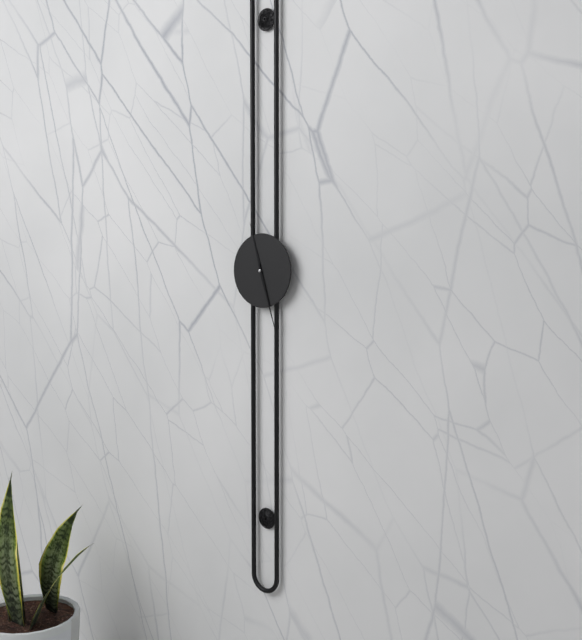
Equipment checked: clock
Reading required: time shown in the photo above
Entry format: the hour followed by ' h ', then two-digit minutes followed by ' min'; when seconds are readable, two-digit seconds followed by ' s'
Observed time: 11 h 27 min
